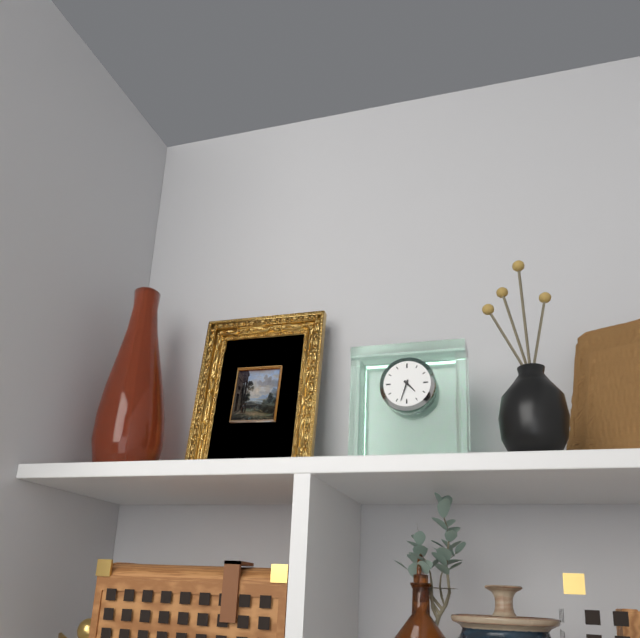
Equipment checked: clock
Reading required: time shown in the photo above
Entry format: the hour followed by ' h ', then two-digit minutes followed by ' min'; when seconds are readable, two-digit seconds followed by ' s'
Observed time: 4 h 33 min
